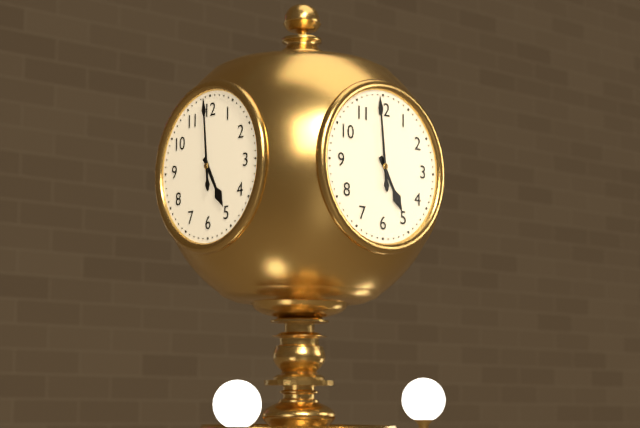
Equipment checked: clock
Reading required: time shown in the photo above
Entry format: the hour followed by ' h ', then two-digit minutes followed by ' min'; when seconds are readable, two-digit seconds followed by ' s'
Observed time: 4 h 59 min
